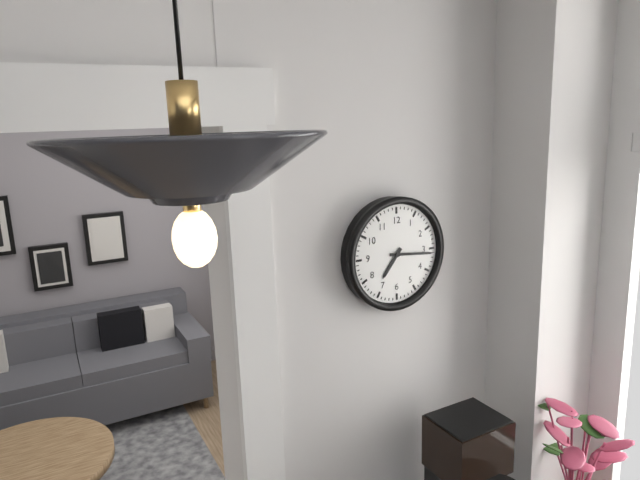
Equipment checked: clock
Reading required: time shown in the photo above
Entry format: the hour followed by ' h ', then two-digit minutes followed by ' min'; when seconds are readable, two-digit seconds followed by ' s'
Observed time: 7 h 16 min
